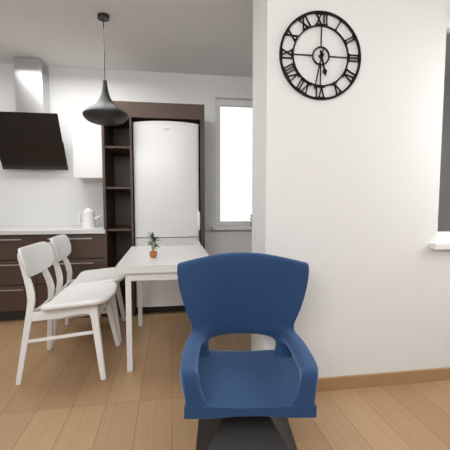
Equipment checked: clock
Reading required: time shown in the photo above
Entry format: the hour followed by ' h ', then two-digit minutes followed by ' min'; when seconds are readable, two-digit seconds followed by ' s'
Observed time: 5 h 32 min
